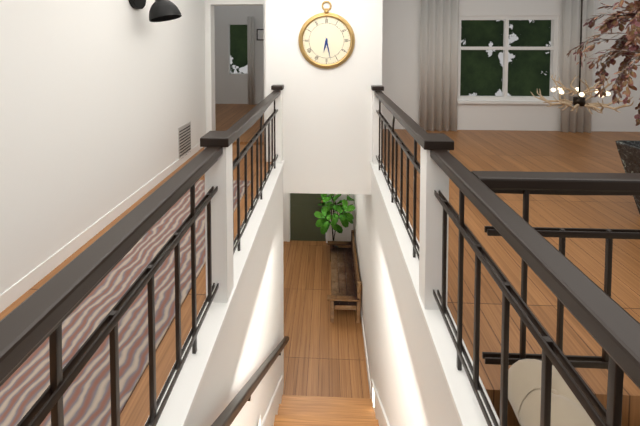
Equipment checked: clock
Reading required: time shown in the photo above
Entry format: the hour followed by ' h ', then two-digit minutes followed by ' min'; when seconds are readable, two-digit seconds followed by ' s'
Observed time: 6 h 28 min
